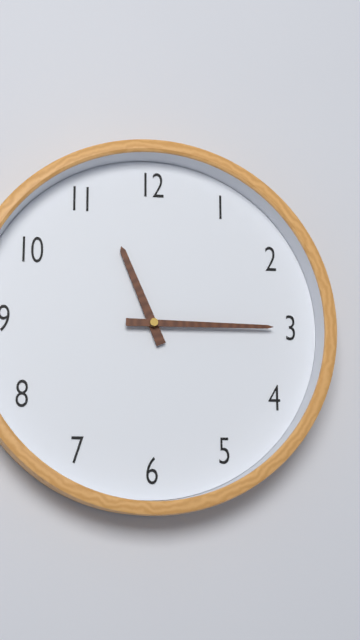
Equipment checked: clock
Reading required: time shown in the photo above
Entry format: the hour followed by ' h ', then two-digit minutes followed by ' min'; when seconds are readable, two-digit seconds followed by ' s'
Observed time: 11 h 15 min
